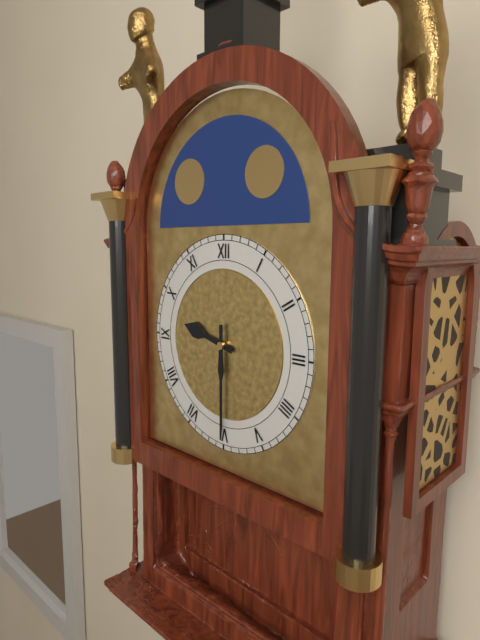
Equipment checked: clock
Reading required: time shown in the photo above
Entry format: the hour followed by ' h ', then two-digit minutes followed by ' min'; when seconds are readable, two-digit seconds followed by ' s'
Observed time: 9 h 30 min
